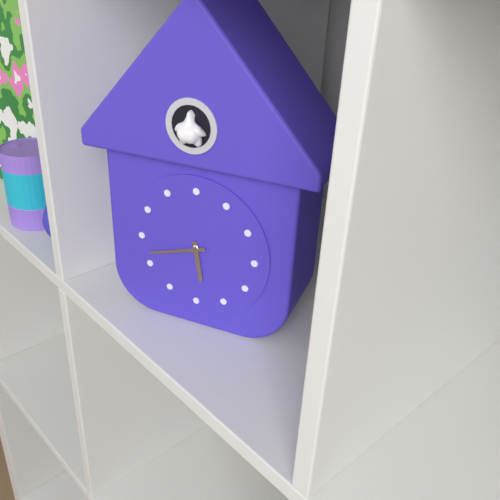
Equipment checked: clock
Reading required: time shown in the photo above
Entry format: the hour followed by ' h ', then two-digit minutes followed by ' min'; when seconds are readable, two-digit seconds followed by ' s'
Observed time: 5 h 42 min
